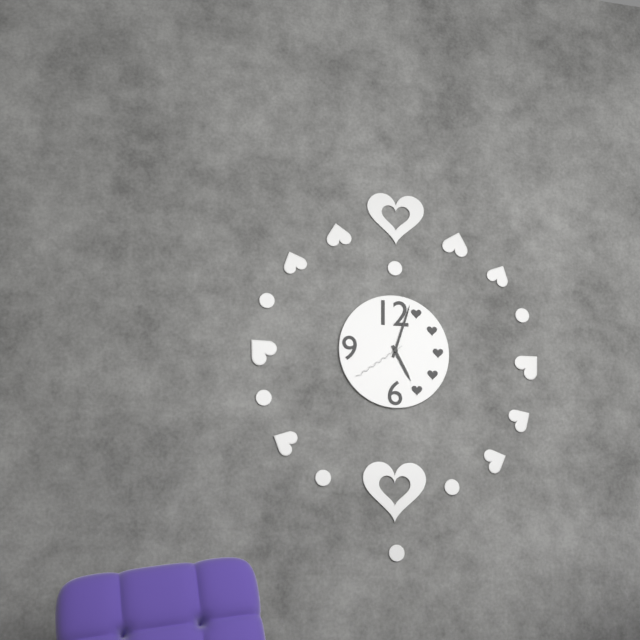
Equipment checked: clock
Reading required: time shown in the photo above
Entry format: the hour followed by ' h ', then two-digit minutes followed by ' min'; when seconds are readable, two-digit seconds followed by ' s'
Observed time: 5 h 03 min 39 s
